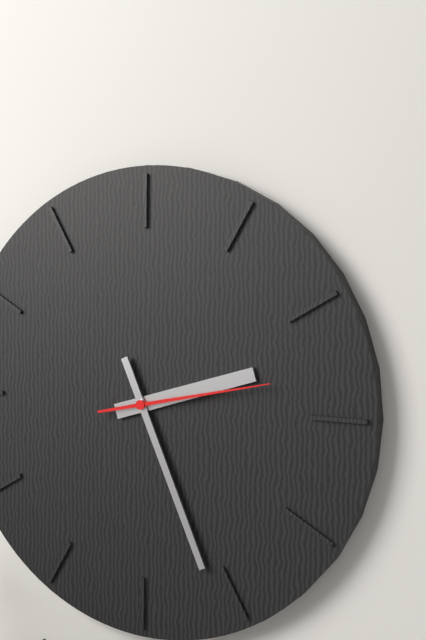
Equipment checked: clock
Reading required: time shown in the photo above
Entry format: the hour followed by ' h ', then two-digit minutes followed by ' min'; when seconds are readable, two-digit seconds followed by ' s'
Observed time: 2 h 26 min 13 s
